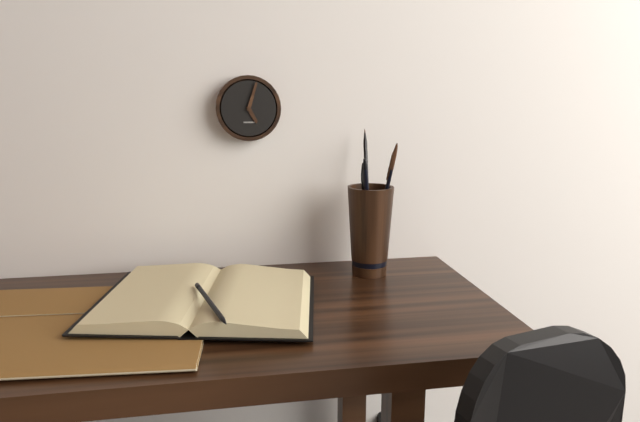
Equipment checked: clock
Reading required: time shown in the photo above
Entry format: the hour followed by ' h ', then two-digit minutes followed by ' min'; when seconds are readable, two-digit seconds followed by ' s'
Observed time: 5 h 03 min
